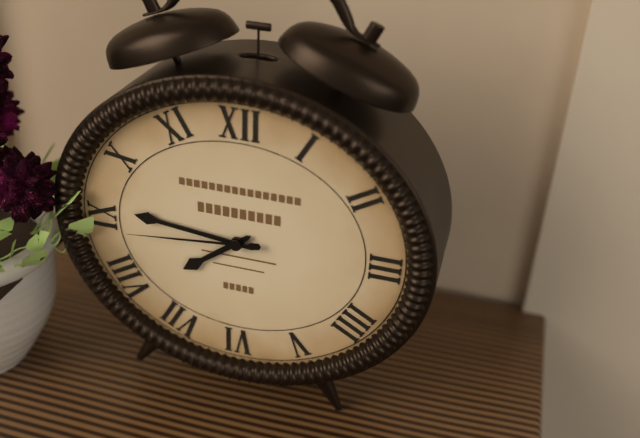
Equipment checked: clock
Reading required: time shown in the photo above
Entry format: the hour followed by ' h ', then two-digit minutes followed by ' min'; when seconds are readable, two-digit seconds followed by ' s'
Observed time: 7 h 46 min 44 s
